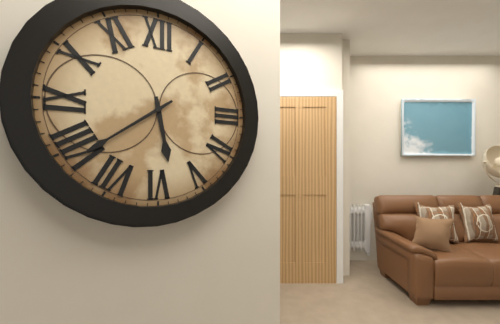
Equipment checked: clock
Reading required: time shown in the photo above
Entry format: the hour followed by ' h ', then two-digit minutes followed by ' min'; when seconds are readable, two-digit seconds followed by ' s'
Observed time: 5 h 39 min
